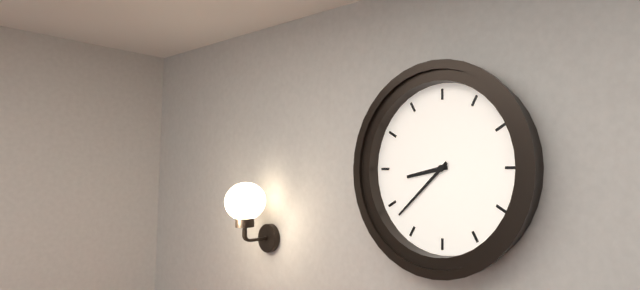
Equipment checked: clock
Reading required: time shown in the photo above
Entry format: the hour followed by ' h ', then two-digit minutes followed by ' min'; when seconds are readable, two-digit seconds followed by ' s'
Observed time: 8 h 38 min
